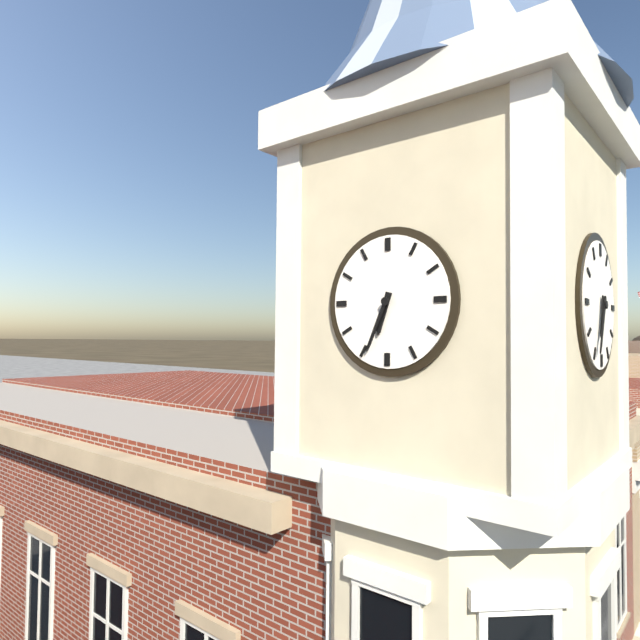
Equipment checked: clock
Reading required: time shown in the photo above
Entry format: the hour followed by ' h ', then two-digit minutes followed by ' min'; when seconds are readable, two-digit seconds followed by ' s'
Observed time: 6 h 34 min
